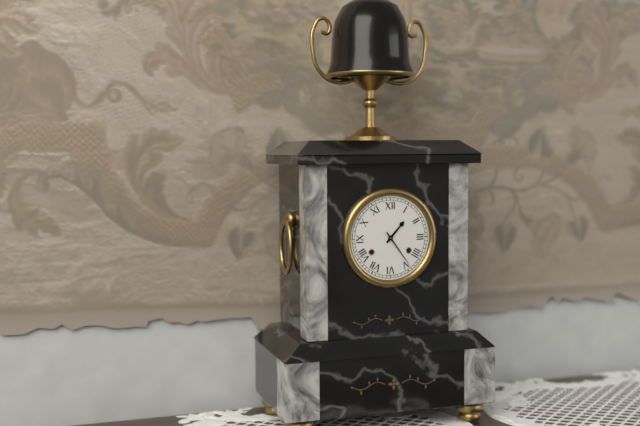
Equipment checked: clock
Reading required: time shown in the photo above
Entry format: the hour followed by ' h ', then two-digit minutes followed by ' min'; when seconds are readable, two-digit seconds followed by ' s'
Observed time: 1 h 24 min
